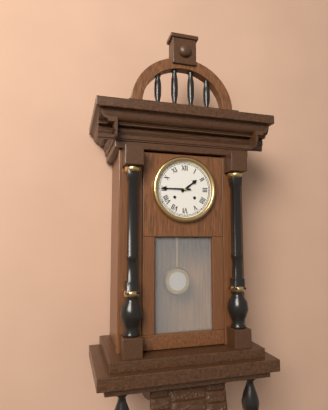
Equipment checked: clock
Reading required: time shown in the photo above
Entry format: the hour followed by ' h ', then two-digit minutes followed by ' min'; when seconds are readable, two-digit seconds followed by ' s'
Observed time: 1 h 45 min
